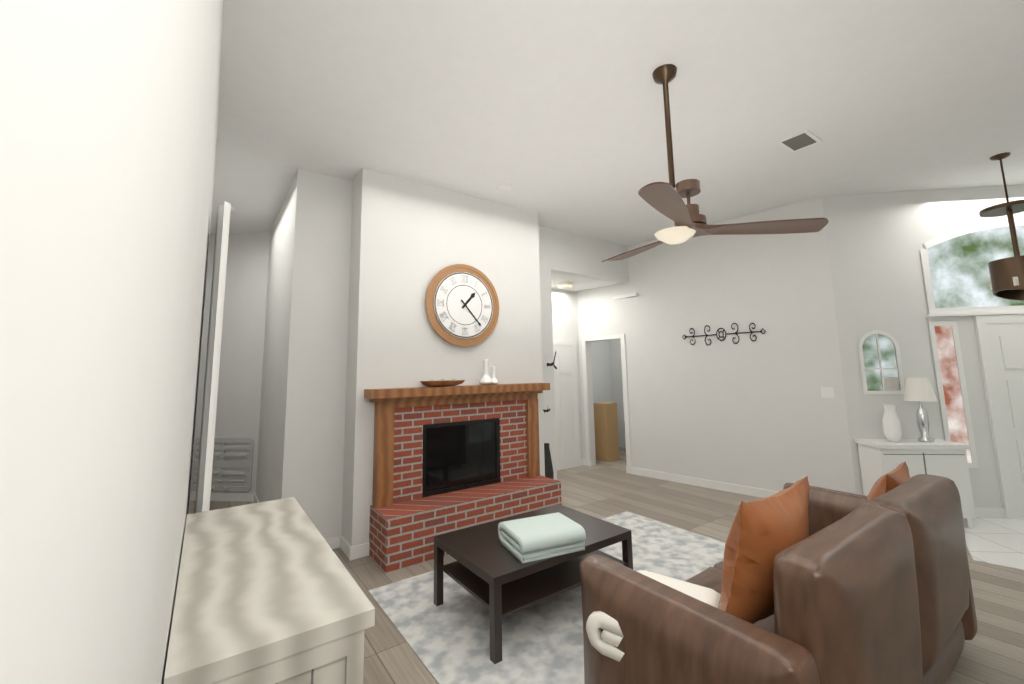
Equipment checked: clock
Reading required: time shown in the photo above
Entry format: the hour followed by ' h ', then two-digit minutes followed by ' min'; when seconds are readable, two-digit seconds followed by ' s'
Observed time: 1 h 23 min
